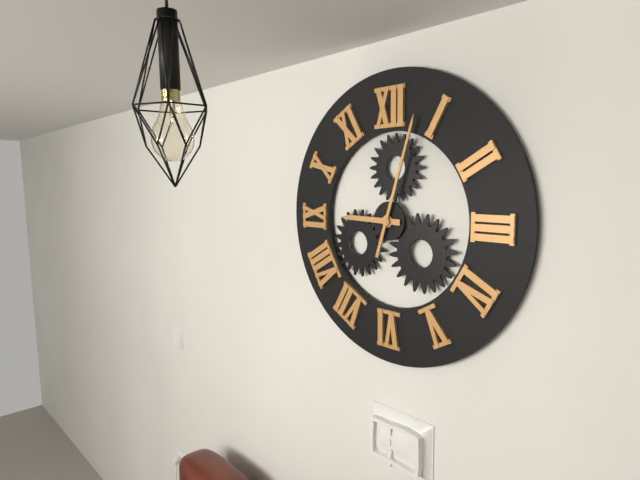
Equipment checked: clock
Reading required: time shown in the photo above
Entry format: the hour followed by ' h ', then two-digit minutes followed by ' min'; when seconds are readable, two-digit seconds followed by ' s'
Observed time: 9 h 03 min
